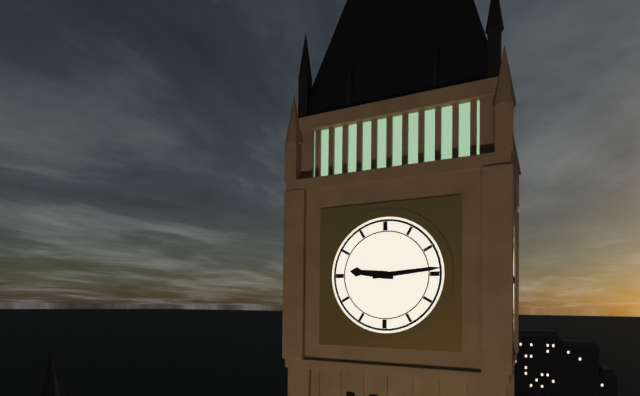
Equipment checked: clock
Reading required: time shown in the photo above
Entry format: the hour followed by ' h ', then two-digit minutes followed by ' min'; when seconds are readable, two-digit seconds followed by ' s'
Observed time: 9 h 14 min
